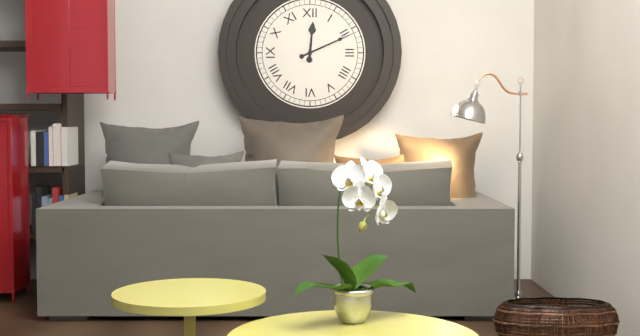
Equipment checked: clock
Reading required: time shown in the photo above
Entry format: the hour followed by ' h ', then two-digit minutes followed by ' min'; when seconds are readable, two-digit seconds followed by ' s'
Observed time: 12 h 11 min
